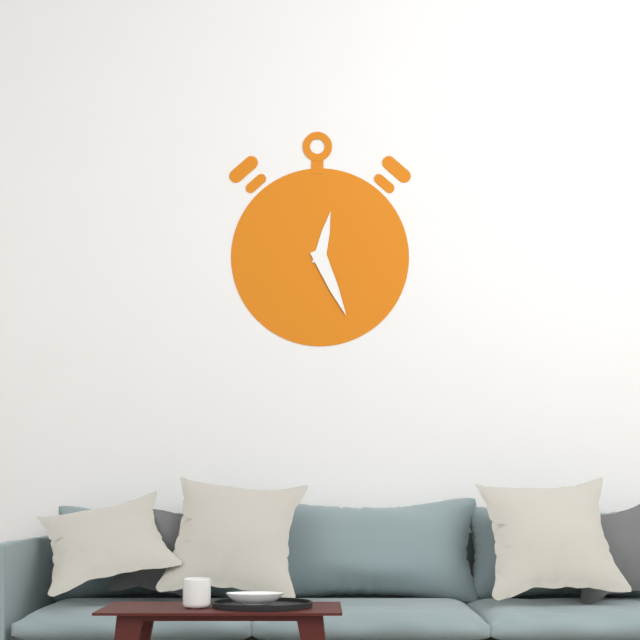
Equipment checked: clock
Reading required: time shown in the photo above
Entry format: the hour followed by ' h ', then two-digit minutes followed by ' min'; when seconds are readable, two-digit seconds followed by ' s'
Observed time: 12 h 26 min
